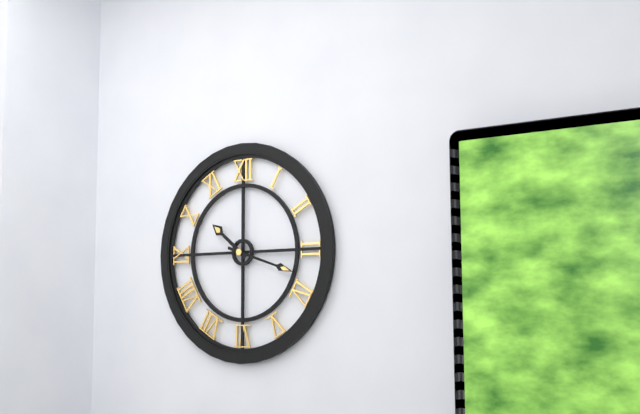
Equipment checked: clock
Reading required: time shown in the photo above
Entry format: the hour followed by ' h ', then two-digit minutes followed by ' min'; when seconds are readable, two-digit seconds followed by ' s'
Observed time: 10 h 18 min
